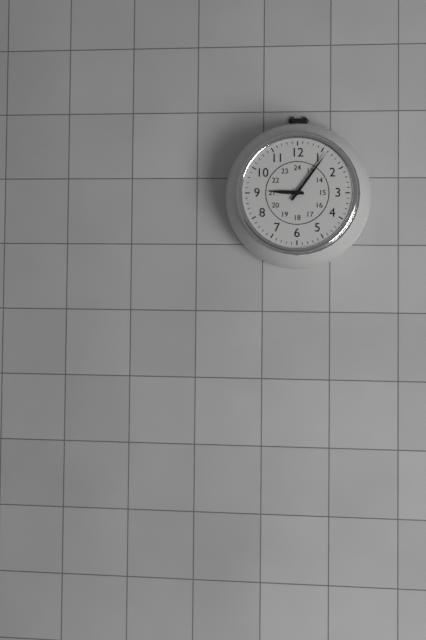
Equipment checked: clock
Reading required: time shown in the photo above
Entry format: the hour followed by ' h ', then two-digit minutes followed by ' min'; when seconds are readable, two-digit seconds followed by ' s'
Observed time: 9 h 06 min
